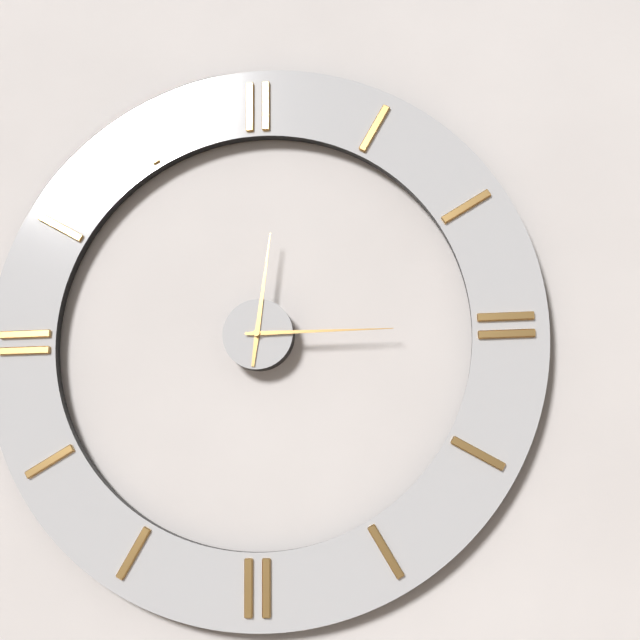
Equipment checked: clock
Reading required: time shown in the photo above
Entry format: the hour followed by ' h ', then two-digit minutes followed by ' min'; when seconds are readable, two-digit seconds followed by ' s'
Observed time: 12 h 15 min
